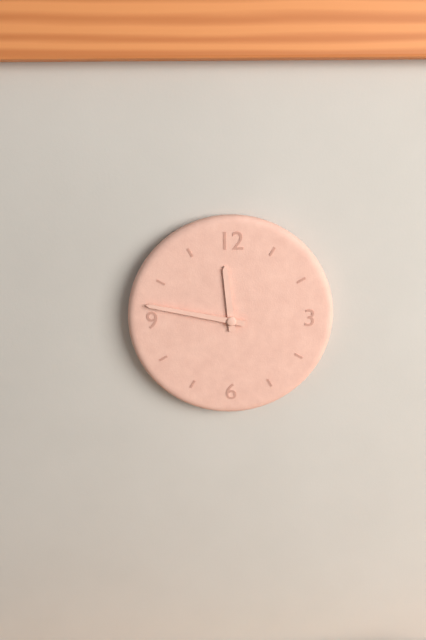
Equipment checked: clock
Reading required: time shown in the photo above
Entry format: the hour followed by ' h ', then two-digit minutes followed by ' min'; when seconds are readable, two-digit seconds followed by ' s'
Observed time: 11 h 47 min
